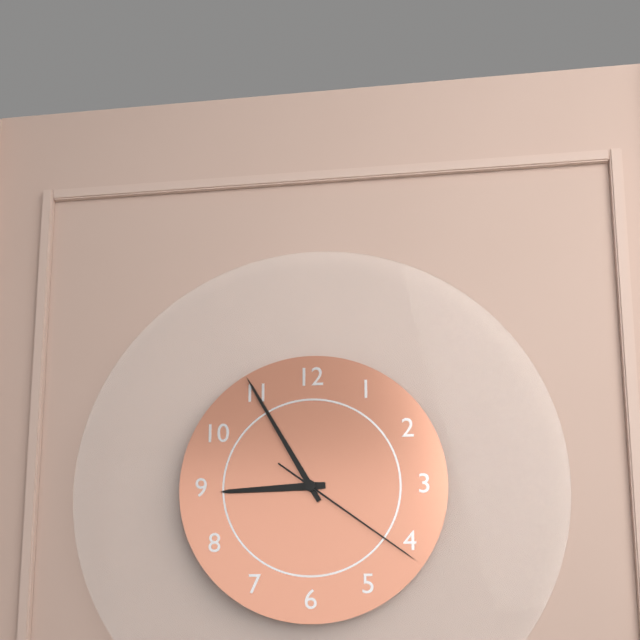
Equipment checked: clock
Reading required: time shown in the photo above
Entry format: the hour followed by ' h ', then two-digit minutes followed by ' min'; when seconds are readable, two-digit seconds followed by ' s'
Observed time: 8 h 55 min 21 s
